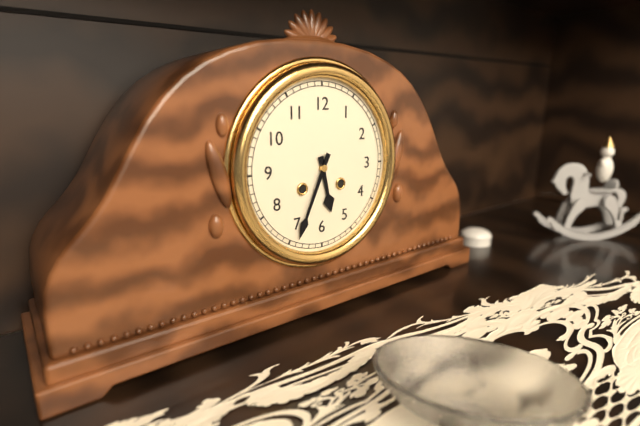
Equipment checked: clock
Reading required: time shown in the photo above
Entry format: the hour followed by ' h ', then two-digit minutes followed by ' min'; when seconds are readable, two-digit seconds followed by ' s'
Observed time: 5 h 34 min
